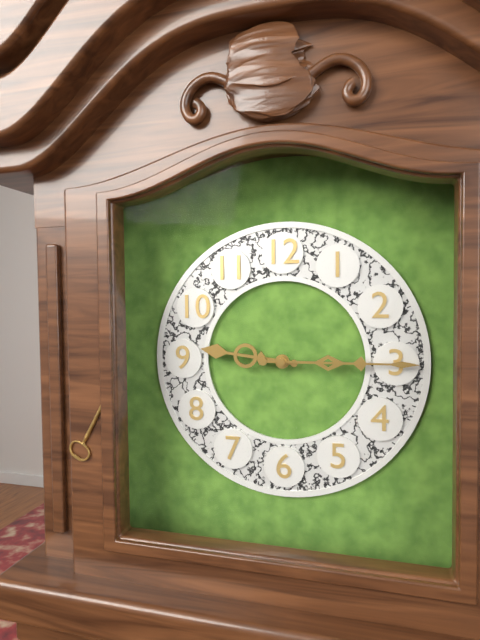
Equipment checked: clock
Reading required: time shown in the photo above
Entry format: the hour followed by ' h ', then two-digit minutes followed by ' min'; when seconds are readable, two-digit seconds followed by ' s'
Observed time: 9 h 15 min
